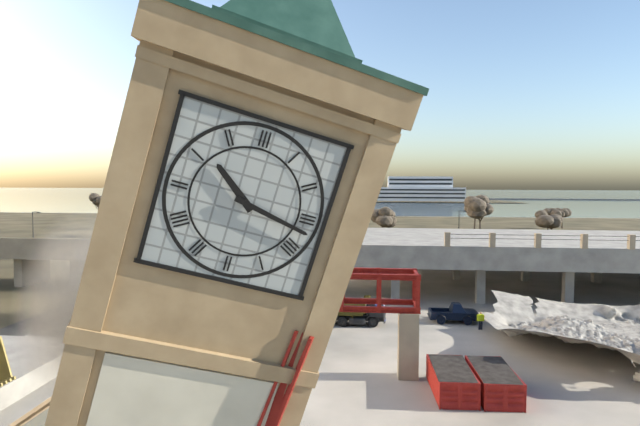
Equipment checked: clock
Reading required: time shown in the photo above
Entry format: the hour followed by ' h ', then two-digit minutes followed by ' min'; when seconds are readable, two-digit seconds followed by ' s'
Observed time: 10 h 17 min
